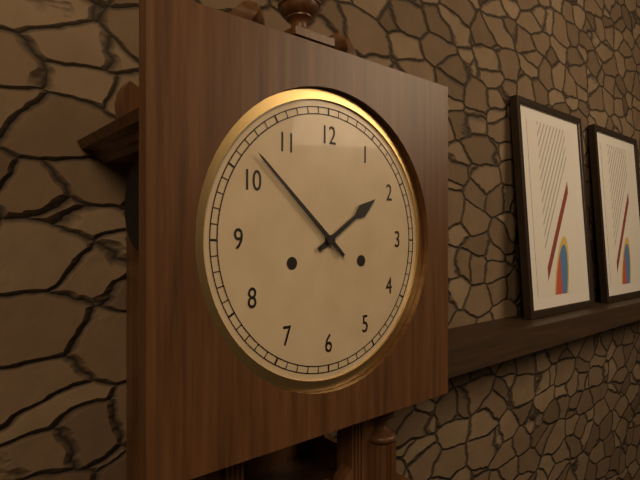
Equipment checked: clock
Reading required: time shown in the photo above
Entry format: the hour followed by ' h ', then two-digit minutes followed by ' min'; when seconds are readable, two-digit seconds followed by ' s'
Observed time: 1 h 52 min
